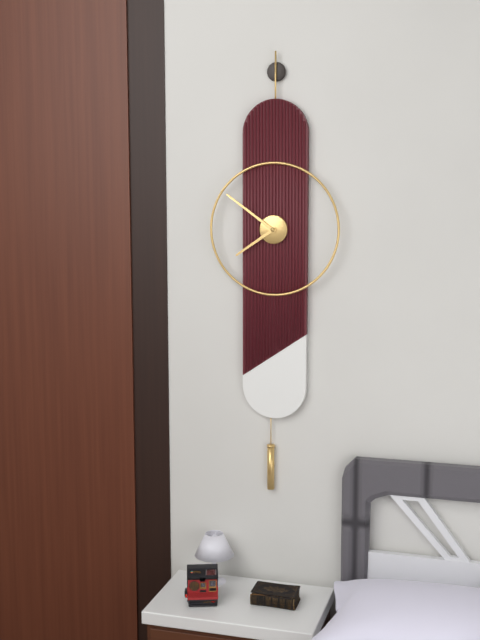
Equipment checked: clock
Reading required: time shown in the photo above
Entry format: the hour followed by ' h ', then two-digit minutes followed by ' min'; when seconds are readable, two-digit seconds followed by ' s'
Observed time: 7 h 51 min
